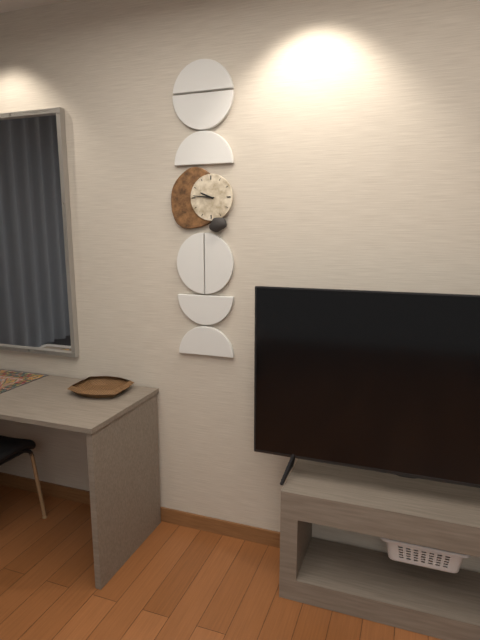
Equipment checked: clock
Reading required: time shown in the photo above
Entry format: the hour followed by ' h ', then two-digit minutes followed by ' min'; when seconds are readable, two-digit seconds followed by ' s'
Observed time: 9 h 46 min
